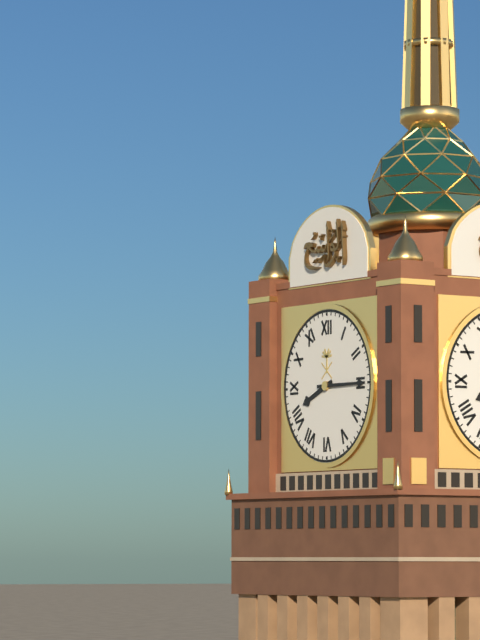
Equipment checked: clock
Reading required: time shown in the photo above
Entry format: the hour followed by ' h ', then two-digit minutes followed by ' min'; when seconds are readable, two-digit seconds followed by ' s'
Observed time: 8 h 15 min
